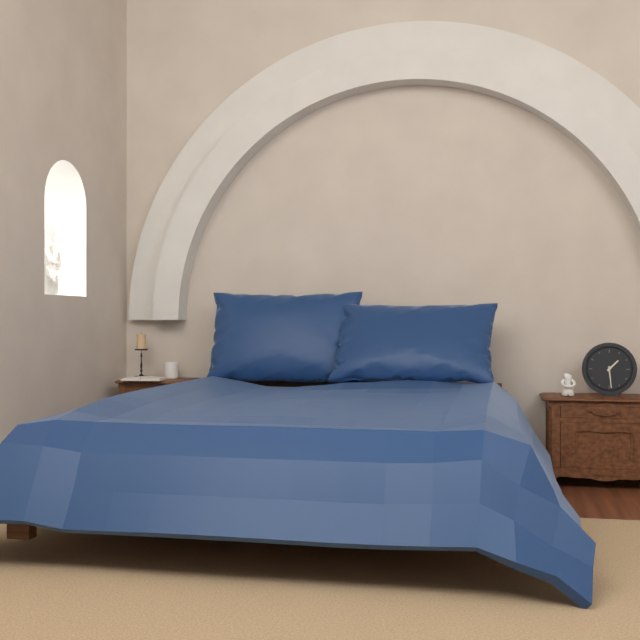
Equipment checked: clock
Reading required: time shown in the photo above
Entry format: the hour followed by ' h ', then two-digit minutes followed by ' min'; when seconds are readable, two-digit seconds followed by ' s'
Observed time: 1 h 29 min
